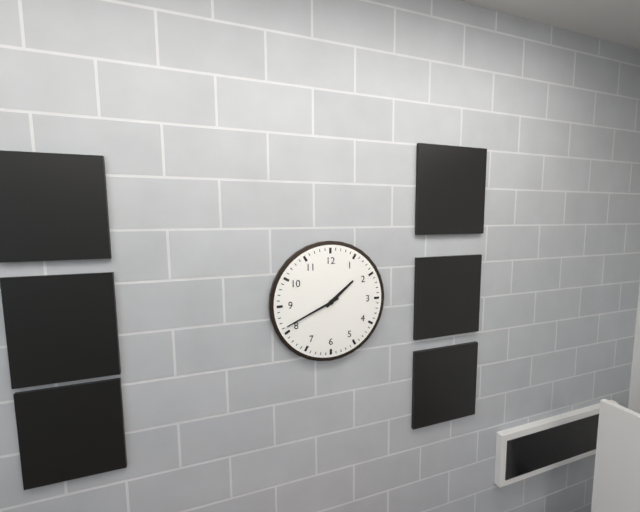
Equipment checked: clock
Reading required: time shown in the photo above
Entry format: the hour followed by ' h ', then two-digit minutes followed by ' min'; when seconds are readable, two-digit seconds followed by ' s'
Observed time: 1 h 41 min
